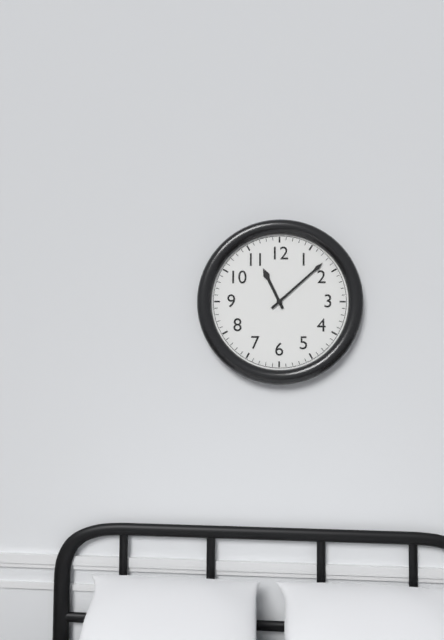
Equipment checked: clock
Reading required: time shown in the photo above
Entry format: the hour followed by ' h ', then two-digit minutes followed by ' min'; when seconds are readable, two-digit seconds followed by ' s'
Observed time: 11 h 08 min
